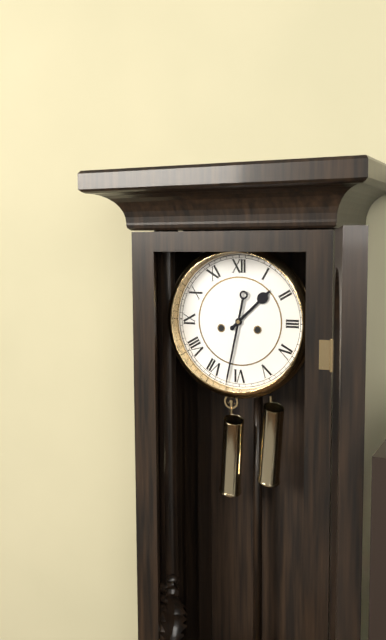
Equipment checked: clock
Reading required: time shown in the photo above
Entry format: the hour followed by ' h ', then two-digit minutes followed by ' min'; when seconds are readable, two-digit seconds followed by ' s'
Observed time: 1 h 32 min
